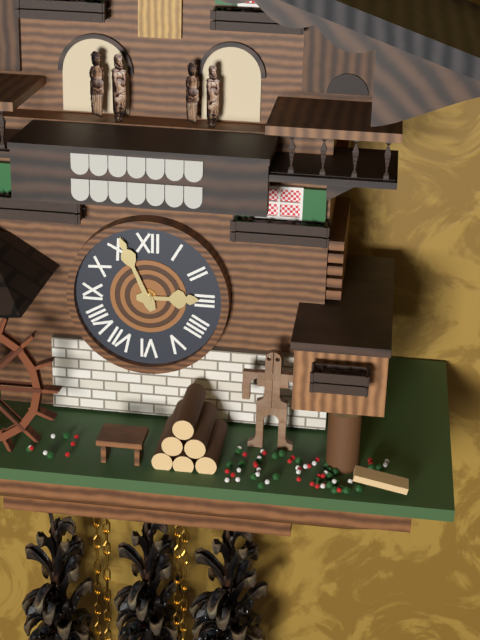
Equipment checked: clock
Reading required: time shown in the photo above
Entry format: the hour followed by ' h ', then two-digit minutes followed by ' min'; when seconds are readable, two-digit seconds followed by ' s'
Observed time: 2 h 56 min
